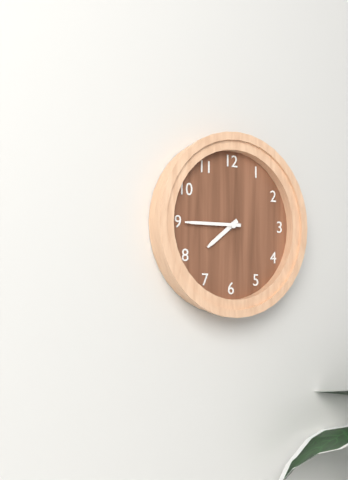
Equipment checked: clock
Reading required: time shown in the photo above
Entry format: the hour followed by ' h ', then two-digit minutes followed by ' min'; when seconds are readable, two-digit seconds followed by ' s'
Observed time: 7 h 45 min
